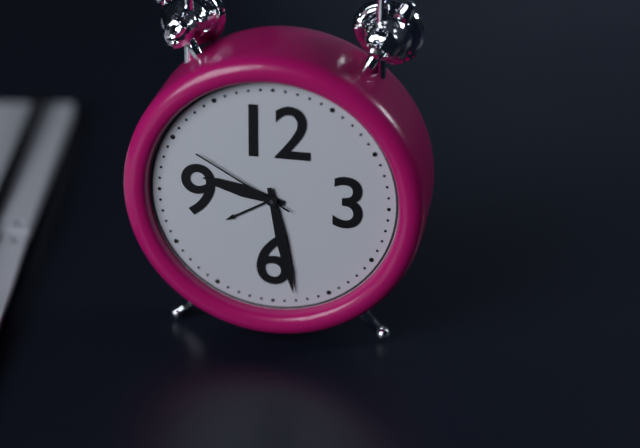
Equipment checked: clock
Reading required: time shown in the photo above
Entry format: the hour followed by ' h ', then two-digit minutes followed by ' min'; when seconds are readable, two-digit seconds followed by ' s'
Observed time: 9 h 28 min 50 s
